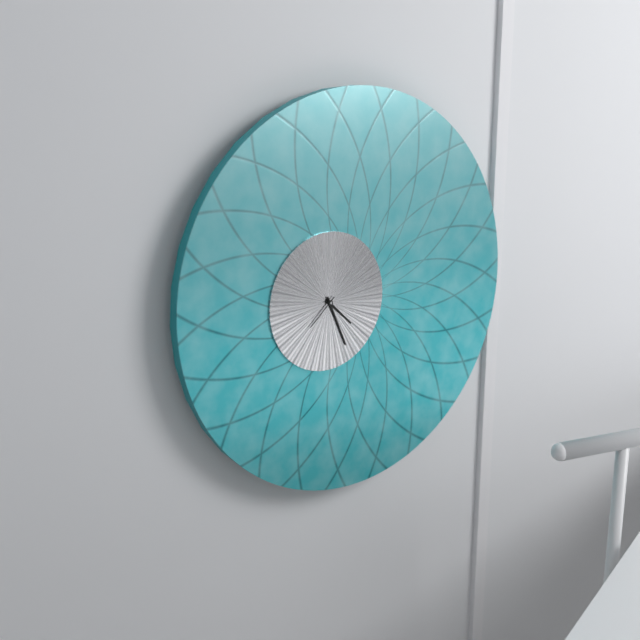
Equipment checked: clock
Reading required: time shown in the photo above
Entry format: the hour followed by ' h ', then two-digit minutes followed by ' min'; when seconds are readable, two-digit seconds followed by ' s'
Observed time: 4 h 26 min
